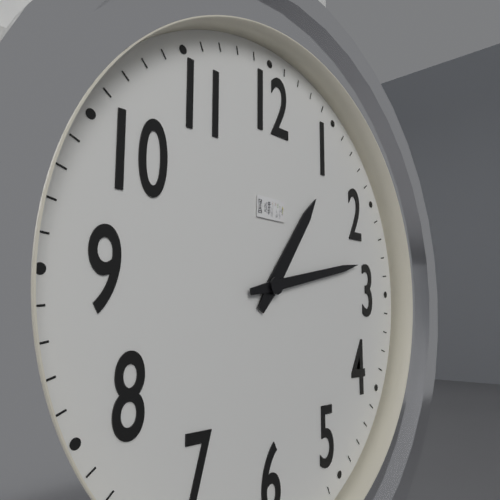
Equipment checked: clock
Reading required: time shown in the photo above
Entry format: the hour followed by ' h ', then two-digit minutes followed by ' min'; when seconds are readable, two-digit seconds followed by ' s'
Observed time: 1 h 13 min
